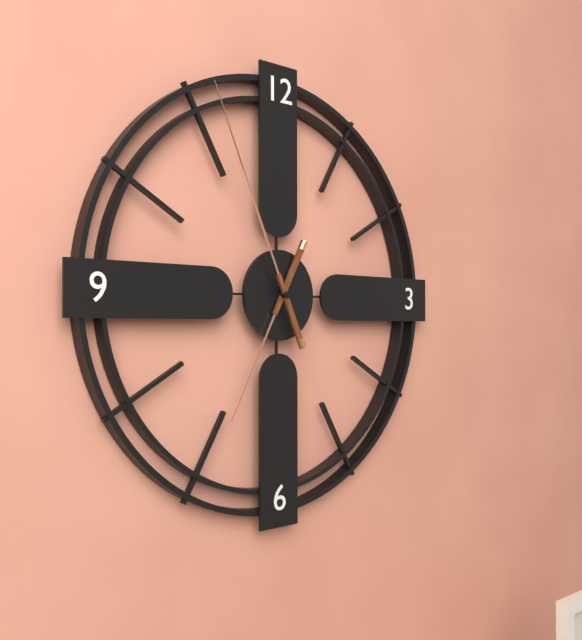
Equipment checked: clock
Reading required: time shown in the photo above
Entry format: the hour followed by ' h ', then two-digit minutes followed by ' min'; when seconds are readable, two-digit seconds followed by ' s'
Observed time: 6 h 56 min
